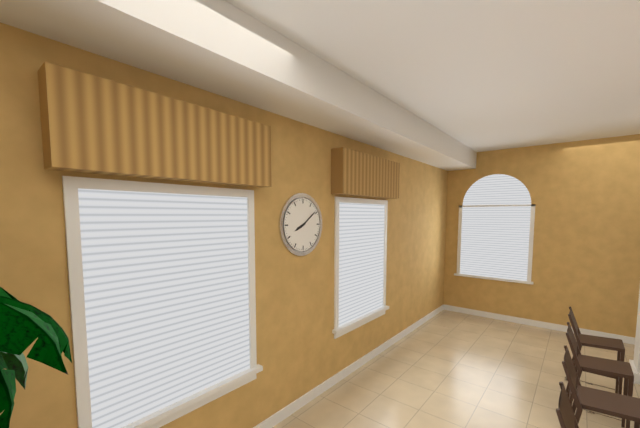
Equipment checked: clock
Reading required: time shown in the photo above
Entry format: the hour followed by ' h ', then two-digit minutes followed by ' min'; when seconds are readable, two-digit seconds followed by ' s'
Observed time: 8 h 09 min
